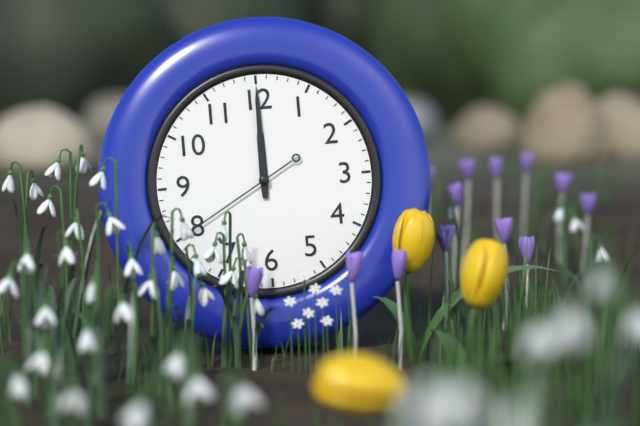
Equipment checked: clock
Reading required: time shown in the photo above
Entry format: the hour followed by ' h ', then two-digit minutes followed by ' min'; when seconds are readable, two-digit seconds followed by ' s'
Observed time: 12 h 00 min 40 s
